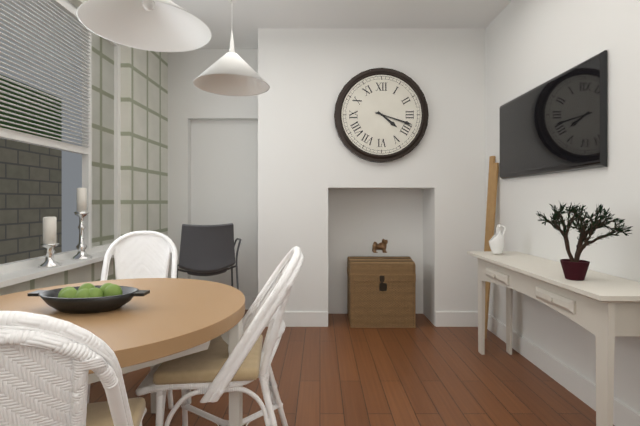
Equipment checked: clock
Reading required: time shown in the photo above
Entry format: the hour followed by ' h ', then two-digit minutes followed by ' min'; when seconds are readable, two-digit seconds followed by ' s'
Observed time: 4 h 18 min
